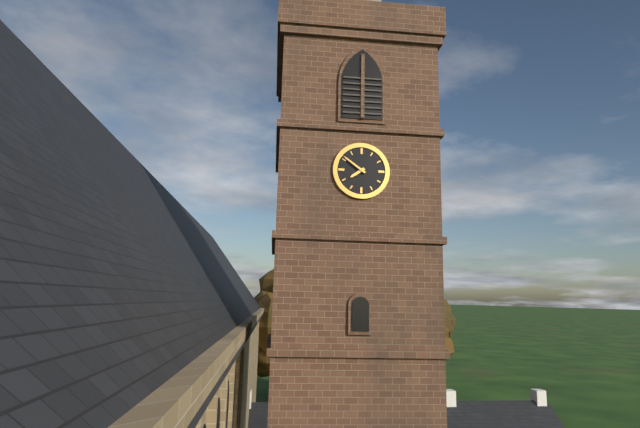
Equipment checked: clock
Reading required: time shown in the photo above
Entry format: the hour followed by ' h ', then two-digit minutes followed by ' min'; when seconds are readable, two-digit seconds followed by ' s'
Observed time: 7 h 51 min
